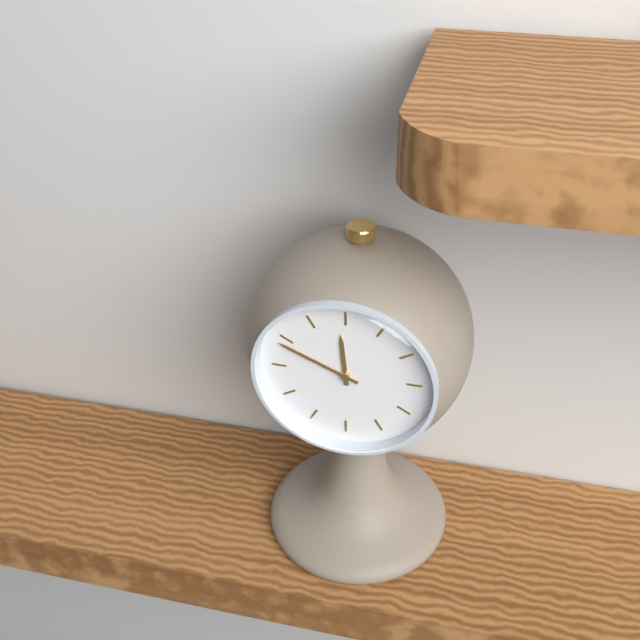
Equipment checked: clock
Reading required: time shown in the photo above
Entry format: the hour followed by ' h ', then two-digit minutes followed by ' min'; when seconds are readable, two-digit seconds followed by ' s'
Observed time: 11 h 49 min
